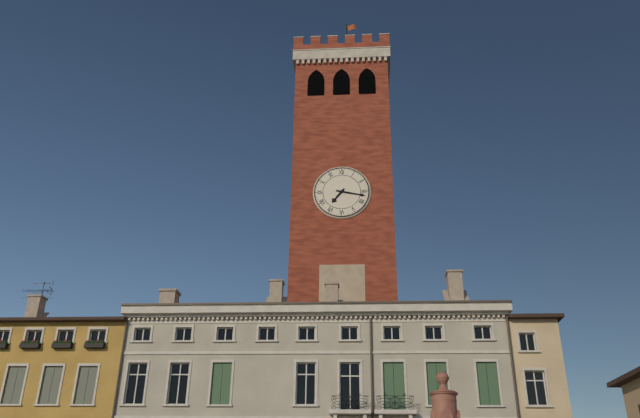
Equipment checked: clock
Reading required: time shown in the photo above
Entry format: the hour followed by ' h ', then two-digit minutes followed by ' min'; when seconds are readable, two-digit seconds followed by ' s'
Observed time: 7 h 17 min
